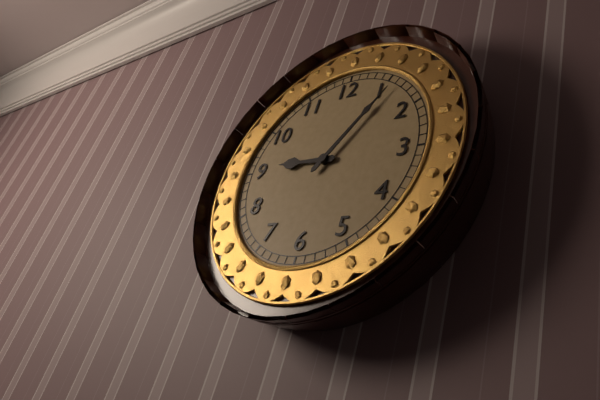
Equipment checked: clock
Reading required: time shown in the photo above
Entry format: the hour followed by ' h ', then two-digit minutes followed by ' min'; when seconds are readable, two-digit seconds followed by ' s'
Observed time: 9 h 06 min
